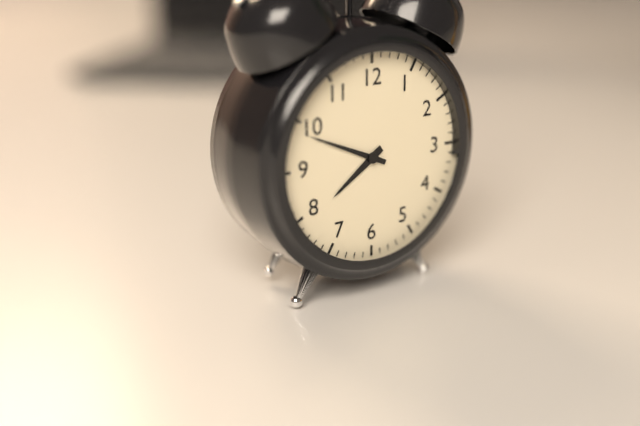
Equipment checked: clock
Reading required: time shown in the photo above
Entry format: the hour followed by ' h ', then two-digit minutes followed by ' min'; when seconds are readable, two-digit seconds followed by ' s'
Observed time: 7 h 49 min
